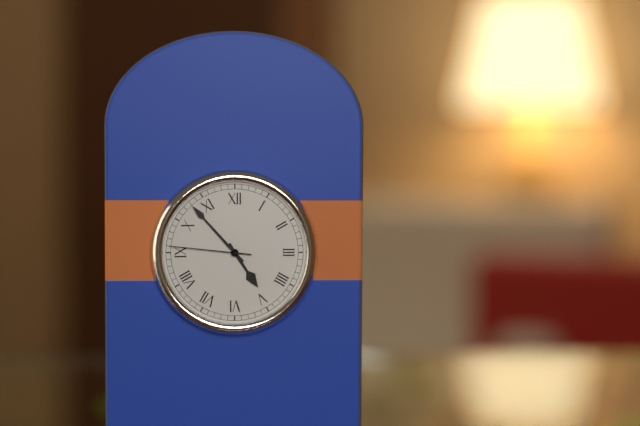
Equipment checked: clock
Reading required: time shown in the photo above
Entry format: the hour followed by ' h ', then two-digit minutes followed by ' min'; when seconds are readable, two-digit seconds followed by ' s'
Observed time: 4 h 53 min 46 s
